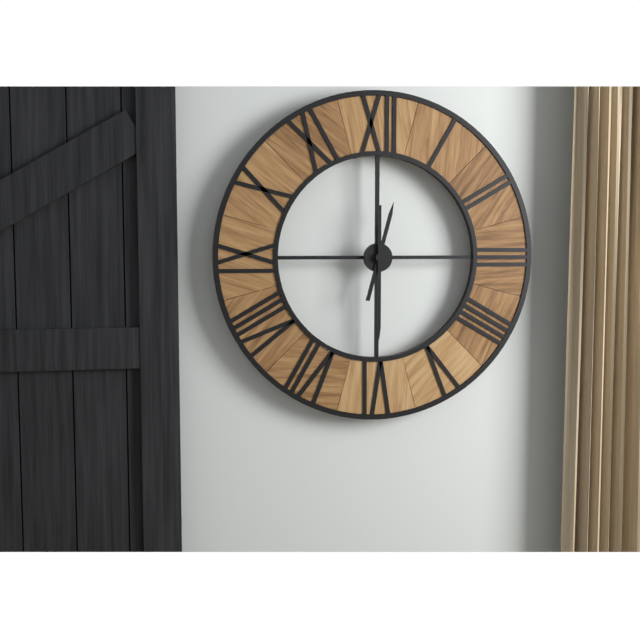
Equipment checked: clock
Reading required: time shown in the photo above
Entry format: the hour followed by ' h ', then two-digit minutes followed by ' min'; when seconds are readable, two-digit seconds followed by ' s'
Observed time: 12 h 30 min
